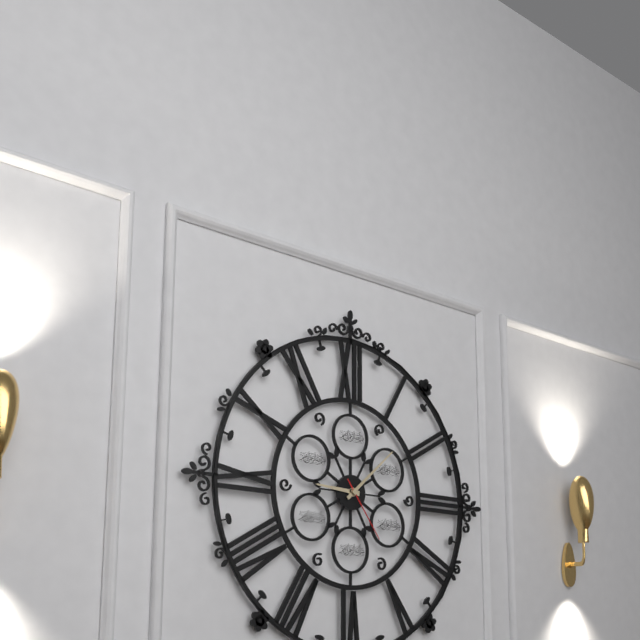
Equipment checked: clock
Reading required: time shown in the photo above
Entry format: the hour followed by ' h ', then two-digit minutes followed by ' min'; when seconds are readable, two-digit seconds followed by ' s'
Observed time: 9 h 08 min 24 s
